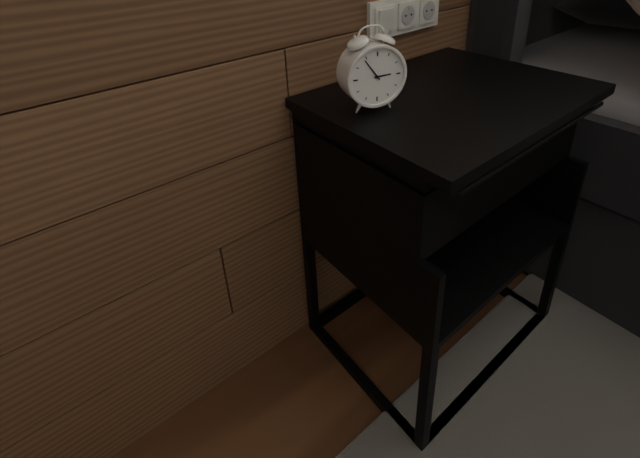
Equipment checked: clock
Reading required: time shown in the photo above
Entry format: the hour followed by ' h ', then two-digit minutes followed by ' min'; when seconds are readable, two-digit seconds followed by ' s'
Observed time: 2 h 54 min
